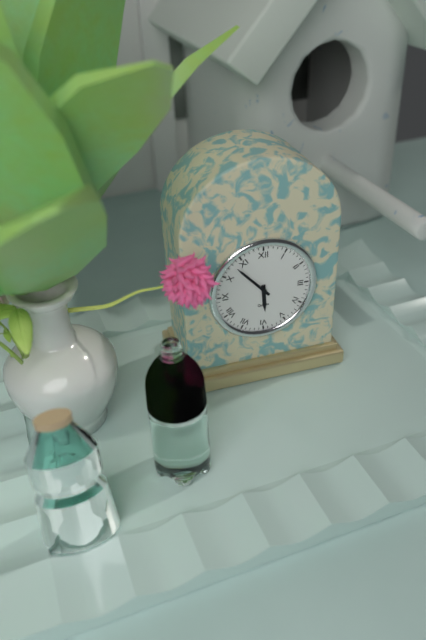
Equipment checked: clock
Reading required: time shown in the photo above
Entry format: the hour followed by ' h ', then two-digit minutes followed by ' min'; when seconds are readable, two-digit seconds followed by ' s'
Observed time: 5 h 53 min
